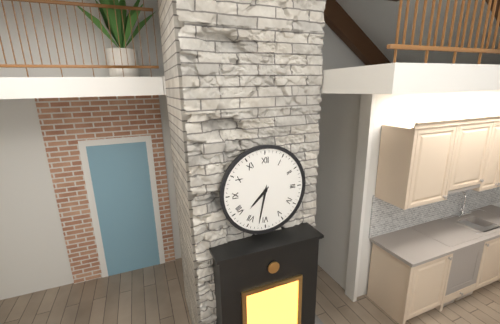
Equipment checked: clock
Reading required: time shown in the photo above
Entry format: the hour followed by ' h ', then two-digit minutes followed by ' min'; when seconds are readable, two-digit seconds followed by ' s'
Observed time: 7 h 32 min
